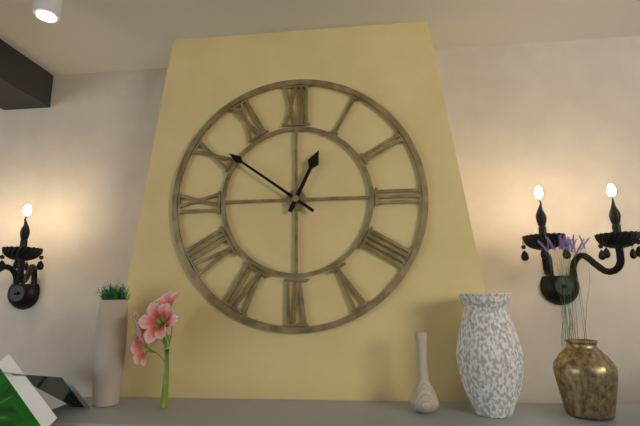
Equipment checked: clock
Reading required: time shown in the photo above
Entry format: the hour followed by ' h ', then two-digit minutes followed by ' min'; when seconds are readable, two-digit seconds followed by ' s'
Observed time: 12 h 51 min
